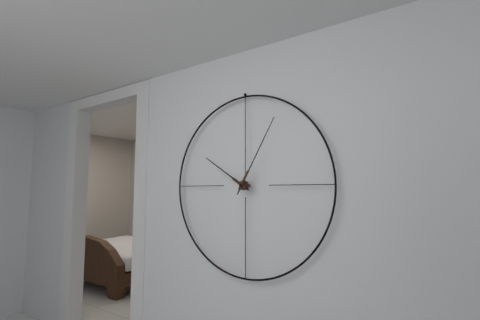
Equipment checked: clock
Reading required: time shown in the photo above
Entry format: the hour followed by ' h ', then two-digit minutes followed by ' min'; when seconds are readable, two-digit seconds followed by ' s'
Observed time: 10 h 05 min
